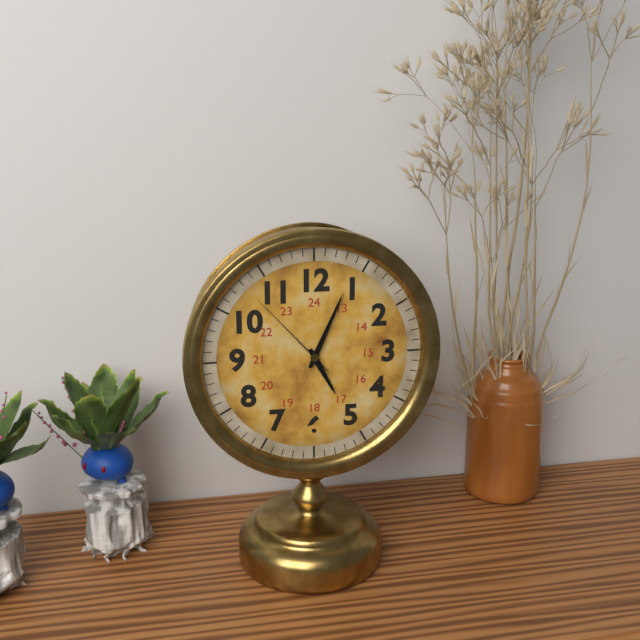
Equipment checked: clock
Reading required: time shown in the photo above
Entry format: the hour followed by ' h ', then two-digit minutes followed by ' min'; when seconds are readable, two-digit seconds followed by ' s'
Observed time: 5 h 04 min 53 s
